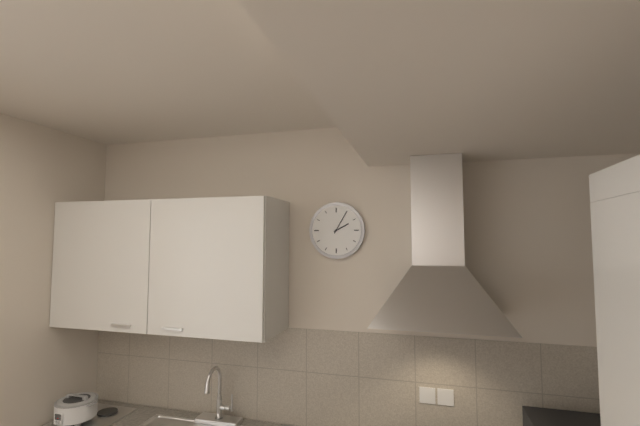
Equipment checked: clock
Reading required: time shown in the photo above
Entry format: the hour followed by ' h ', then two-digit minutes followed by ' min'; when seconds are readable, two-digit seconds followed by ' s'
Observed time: 2 h 05 min
